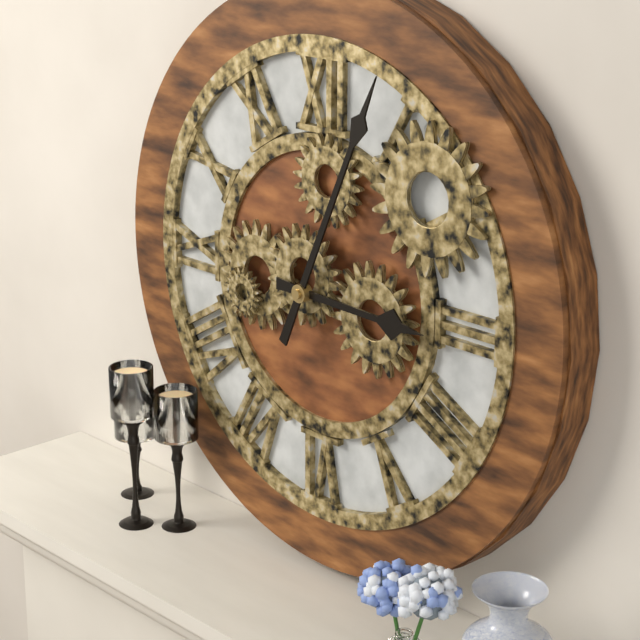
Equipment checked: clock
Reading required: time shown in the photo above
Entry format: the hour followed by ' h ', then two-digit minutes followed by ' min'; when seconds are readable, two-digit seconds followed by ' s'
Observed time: 3 h 04 min
